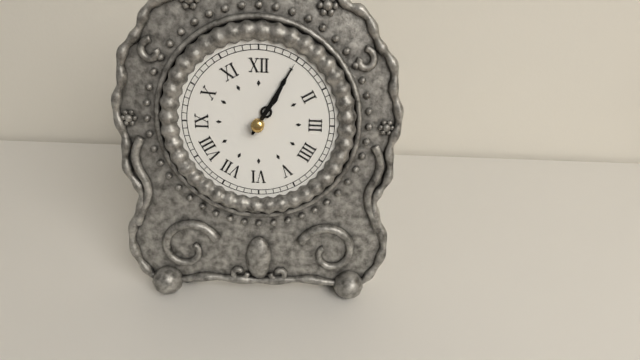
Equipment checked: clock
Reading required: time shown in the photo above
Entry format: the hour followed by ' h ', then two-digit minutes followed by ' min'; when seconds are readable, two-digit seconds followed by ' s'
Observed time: 1 h 05 min
